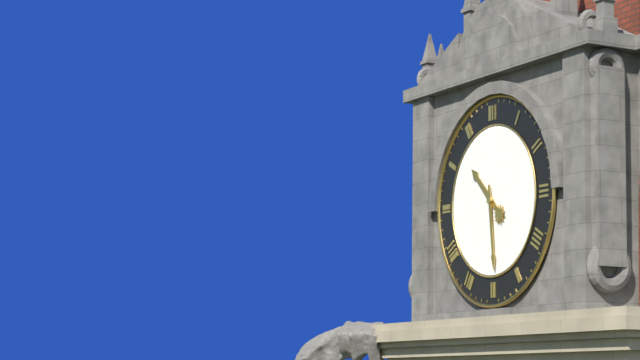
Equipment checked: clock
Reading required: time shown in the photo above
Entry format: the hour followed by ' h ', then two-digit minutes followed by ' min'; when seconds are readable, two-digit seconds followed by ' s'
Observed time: 10 h 29 min
